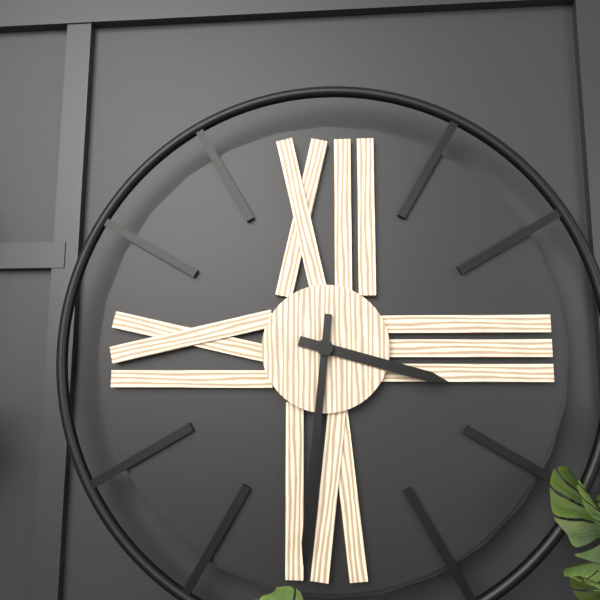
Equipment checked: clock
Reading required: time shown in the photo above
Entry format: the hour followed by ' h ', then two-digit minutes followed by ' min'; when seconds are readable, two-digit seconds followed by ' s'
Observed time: 3 h 31 min
